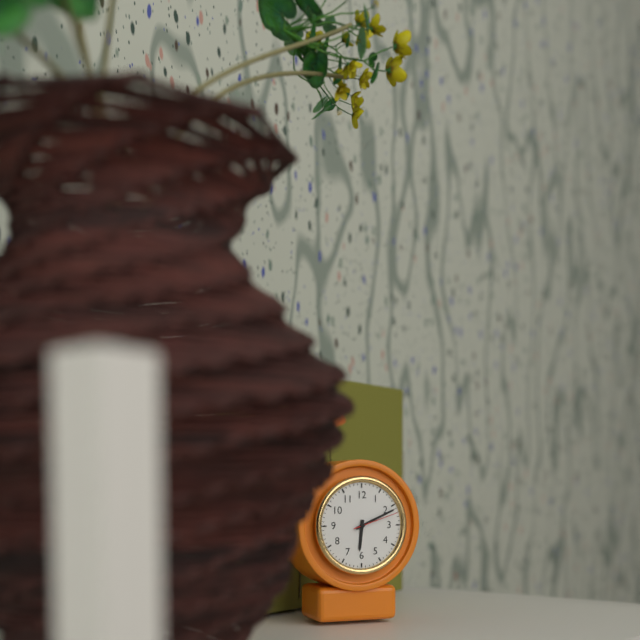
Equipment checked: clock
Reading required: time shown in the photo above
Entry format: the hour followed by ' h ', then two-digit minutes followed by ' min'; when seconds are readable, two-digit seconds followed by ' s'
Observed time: 6 h 11 min
